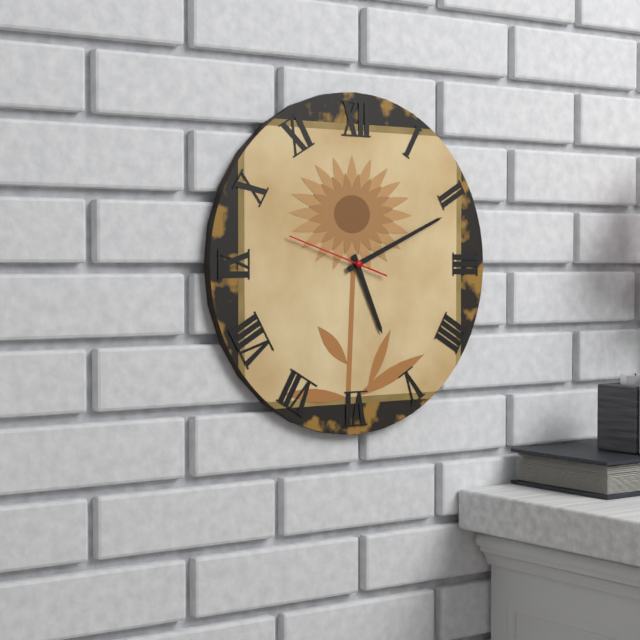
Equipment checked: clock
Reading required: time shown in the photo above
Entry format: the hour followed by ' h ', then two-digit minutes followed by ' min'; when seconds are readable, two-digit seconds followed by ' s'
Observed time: 5 h 11 min 48 s
